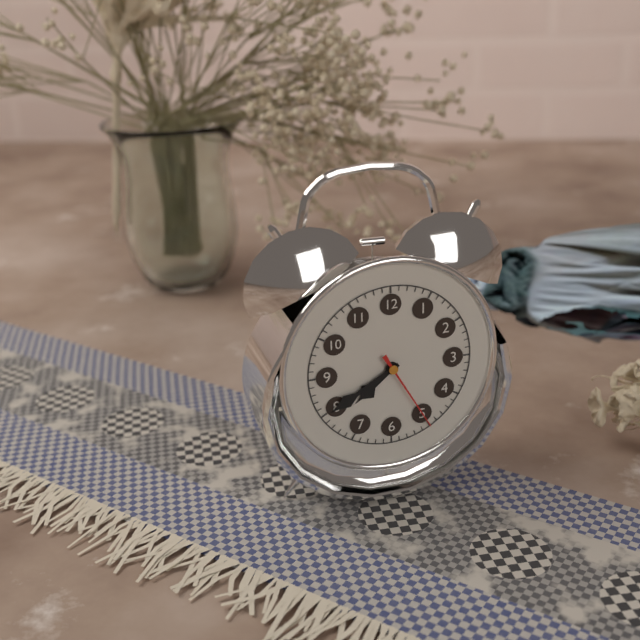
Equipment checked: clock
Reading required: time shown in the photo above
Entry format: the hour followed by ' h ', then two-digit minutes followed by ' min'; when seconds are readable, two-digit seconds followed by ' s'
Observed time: 7 h 40 min 25 s
